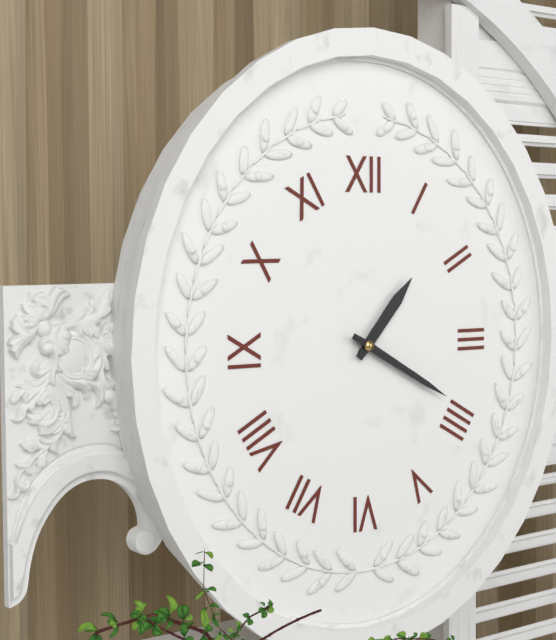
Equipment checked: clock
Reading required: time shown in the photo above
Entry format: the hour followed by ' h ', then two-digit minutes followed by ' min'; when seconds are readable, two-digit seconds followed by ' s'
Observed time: 1 h 20 min
